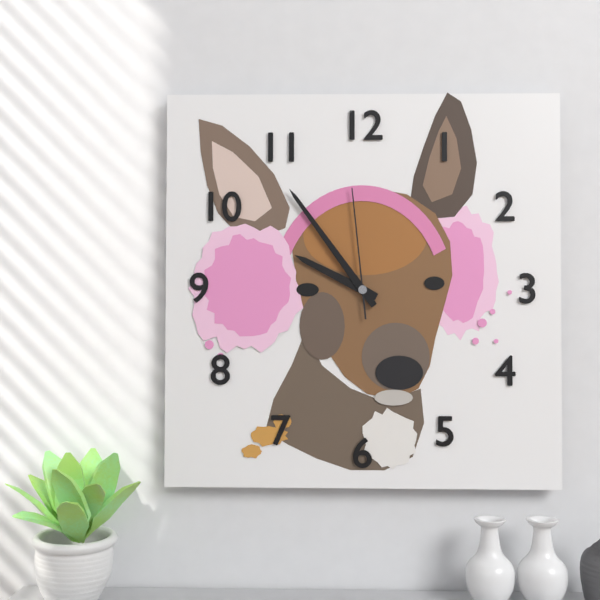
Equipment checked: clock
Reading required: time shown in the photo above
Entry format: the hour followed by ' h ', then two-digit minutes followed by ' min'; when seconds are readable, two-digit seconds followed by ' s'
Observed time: 9 h 54 min 59 s
